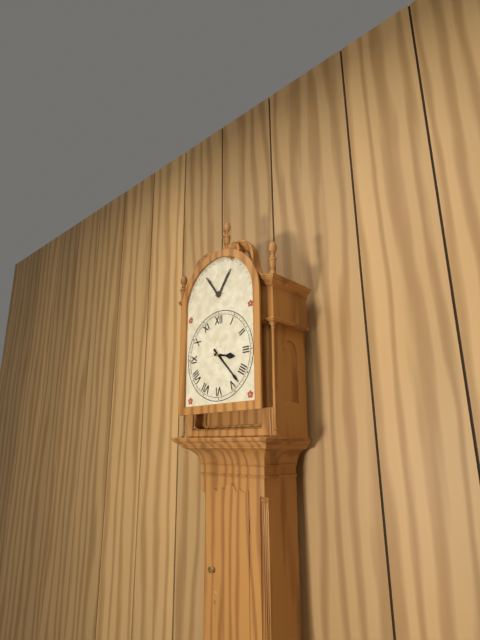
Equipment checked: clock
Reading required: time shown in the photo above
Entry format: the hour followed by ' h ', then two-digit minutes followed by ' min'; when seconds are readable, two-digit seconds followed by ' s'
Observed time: 3 h 23 min
